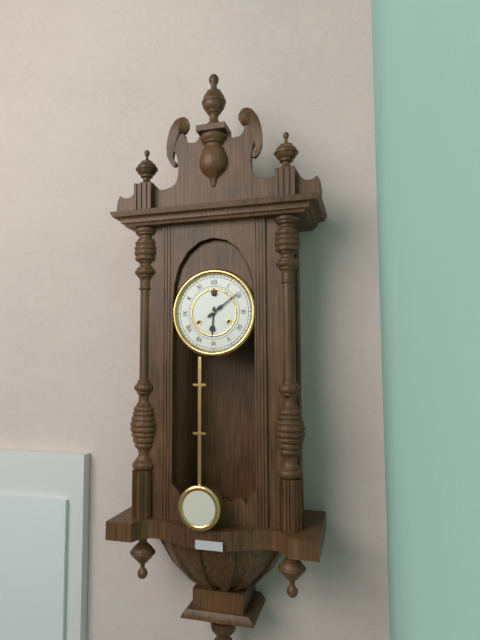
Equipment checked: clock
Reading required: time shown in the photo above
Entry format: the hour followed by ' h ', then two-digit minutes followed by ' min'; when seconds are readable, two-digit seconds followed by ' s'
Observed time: 6 h 09 min
